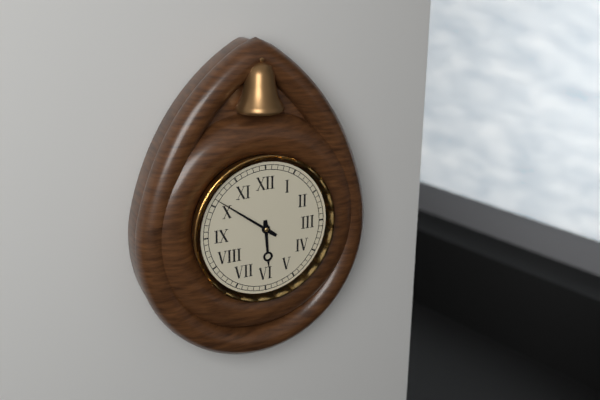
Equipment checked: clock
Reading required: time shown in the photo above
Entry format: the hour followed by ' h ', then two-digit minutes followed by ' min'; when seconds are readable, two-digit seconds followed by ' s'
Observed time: 5 h 51 min
